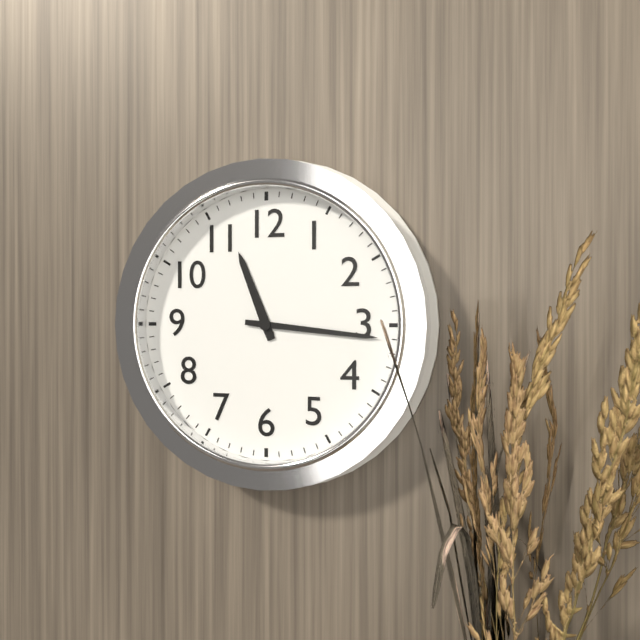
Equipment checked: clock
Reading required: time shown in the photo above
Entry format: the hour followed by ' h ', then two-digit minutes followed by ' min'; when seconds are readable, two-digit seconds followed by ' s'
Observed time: 11 h 16 min
